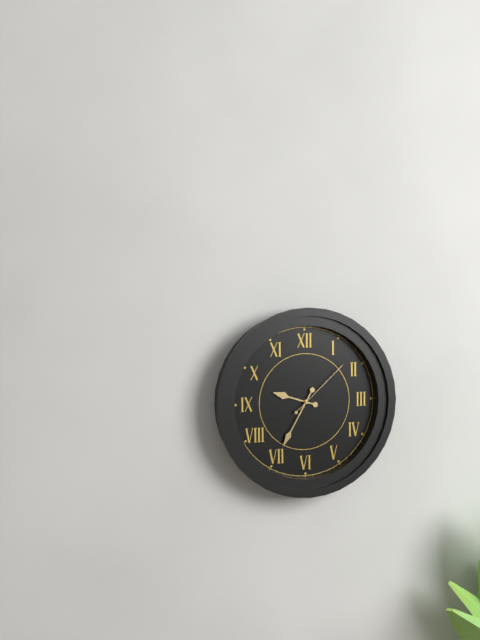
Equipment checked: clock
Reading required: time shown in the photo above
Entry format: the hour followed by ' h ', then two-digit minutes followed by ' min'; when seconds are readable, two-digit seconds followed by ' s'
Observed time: 9 h 35 min 08 s
